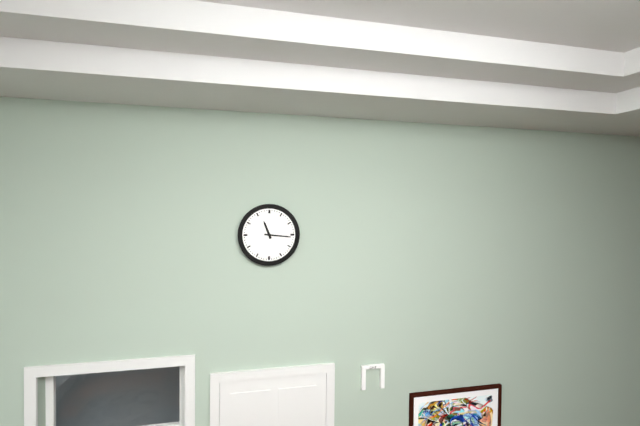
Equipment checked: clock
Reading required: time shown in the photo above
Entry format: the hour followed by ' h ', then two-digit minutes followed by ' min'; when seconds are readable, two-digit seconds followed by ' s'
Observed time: 11 h 16 min
